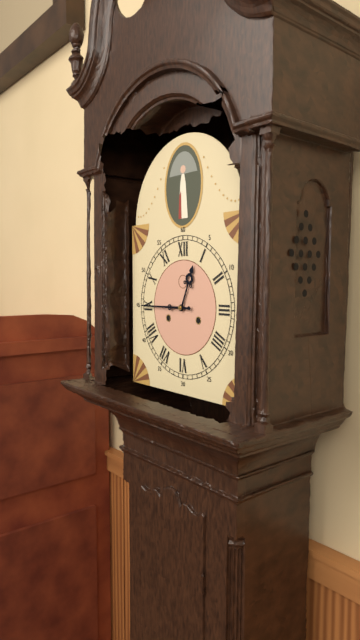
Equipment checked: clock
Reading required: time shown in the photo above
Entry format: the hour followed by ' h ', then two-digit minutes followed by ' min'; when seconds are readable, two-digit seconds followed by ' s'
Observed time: 12 h 45 min
